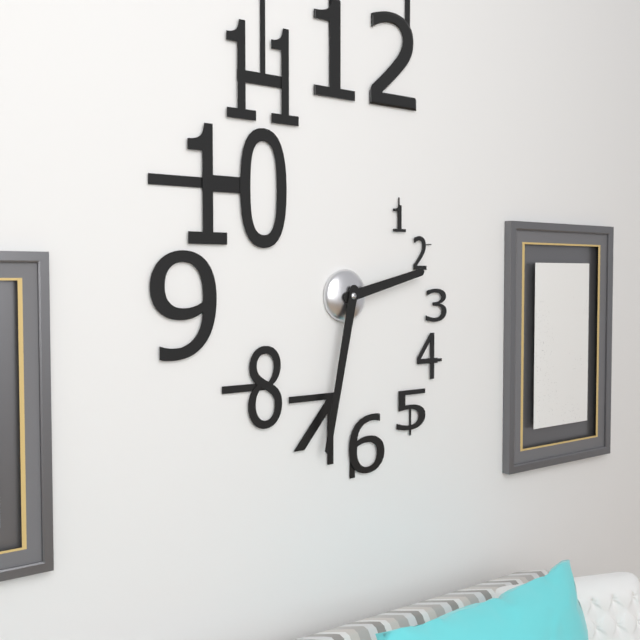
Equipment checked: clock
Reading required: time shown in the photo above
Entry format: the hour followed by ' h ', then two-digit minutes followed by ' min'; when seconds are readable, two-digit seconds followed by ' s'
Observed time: 2 h 32 min
